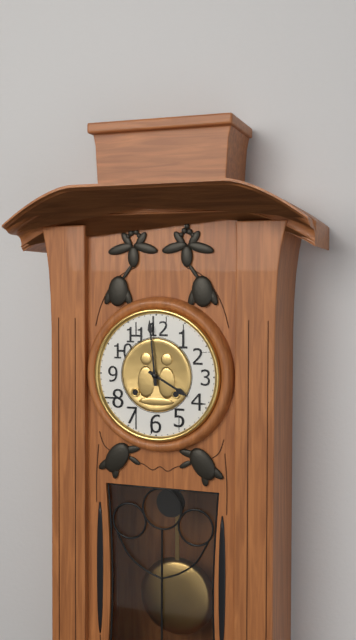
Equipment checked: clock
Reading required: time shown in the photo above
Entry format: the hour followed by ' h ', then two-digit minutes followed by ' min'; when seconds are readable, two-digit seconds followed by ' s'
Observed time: 3 h 59 min
